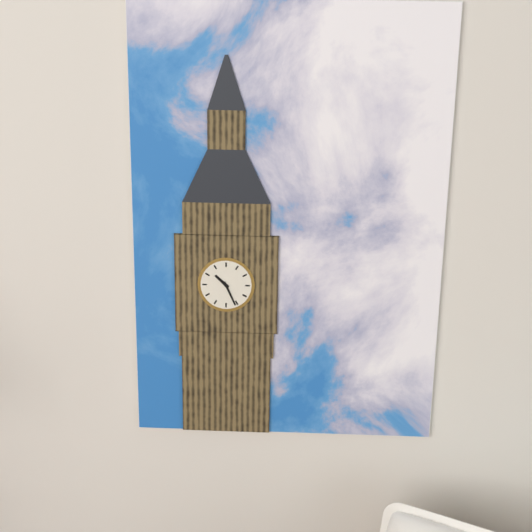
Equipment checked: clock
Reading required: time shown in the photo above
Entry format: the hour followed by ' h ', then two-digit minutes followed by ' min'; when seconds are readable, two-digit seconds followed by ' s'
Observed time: 10 h 26 min
